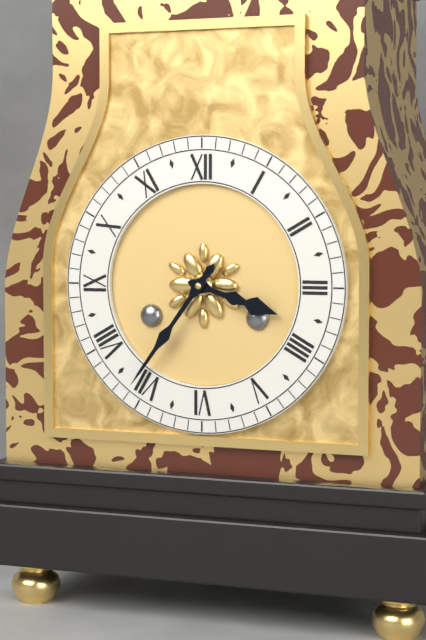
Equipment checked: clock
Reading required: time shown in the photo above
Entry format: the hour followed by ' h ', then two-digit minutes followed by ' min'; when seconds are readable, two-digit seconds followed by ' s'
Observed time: 3 h 36 min
